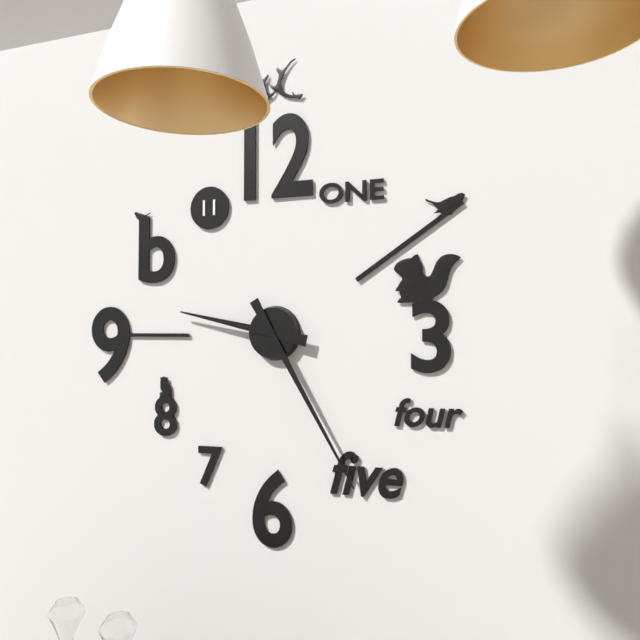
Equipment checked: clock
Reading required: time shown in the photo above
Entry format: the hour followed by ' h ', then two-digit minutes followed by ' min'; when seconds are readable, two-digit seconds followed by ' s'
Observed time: 9 h 25 min
